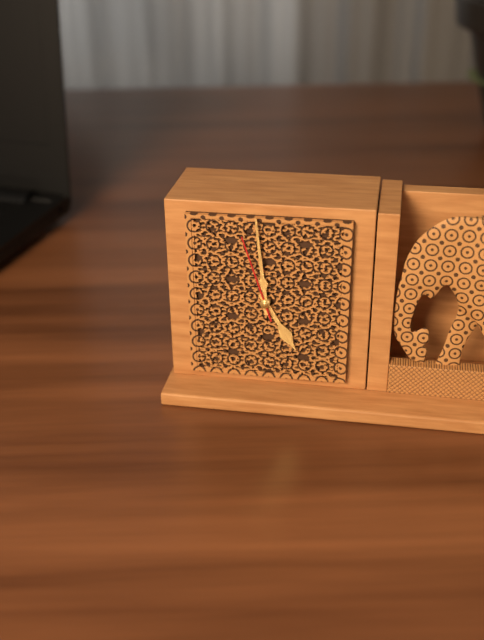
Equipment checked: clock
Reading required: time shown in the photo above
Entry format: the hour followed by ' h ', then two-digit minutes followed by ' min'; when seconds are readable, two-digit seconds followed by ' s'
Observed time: 4 h 59 min 57 s
